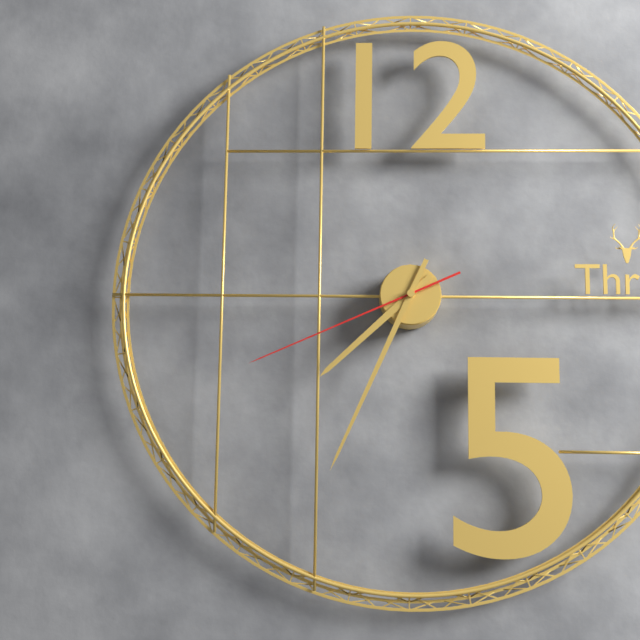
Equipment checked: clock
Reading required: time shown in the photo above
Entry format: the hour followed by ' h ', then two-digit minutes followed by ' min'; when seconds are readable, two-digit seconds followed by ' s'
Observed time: 7 h 34 min 41 s
